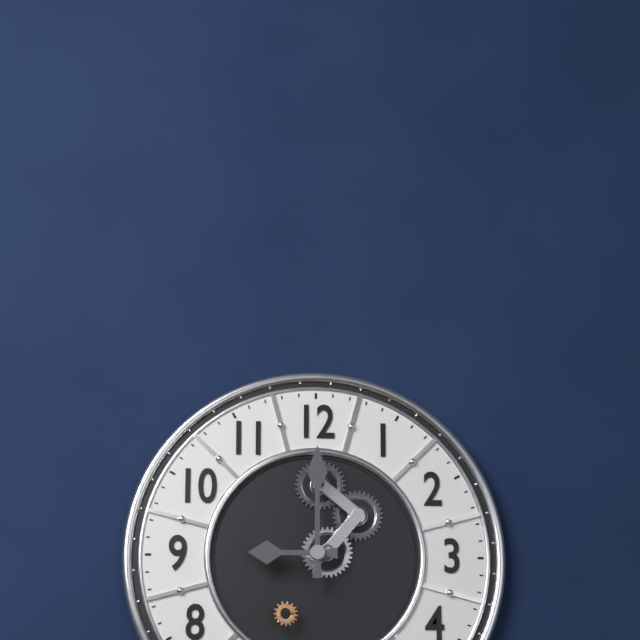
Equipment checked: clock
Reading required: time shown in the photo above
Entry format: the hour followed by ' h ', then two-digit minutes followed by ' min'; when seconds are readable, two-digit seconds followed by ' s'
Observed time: 9 h 00 min
